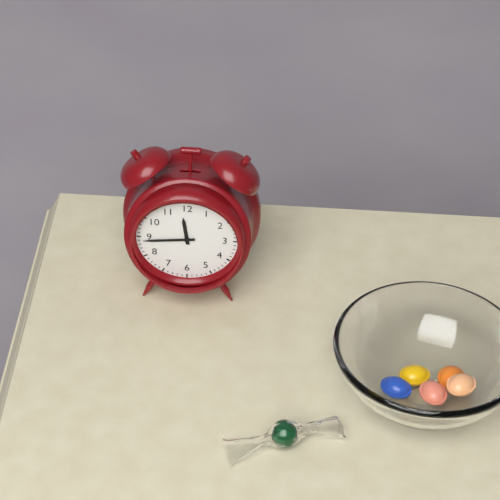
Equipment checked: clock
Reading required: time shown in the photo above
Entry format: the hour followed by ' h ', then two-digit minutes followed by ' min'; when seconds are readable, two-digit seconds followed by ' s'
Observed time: 11 h 44 min
